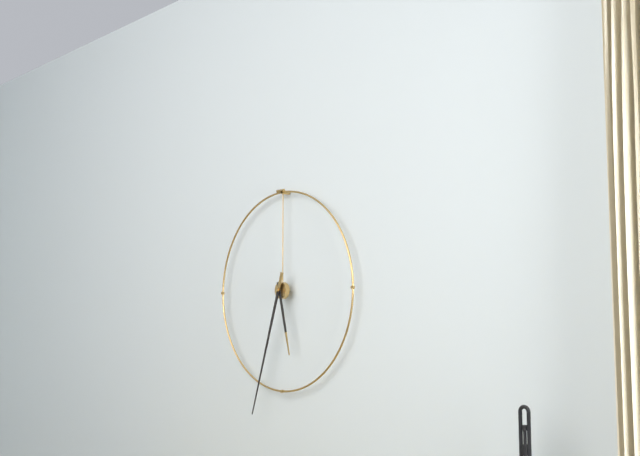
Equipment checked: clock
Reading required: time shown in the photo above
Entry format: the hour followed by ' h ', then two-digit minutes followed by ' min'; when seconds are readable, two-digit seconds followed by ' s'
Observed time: 5 h 33 min
